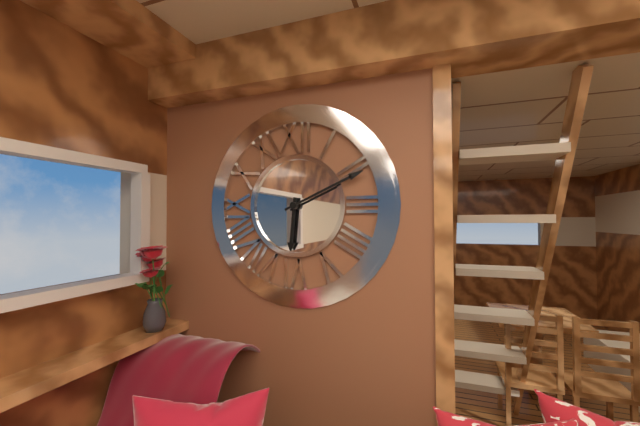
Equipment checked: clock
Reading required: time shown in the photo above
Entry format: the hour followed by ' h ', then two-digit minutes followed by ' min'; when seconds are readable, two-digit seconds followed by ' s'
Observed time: 6 h 11 min
